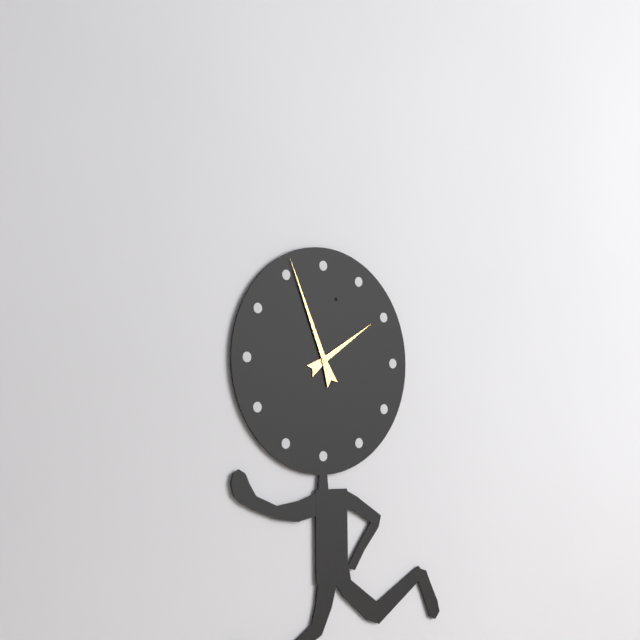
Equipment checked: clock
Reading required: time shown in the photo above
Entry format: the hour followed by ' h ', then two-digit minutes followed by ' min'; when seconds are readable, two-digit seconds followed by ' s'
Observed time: 1 h 56 min
